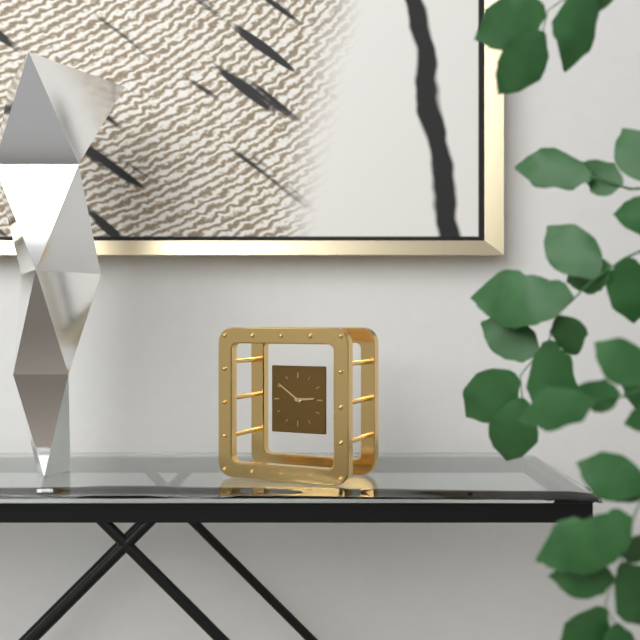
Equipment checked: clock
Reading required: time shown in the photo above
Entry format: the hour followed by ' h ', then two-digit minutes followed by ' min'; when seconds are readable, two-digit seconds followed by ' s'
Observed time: 2 h 51 min
